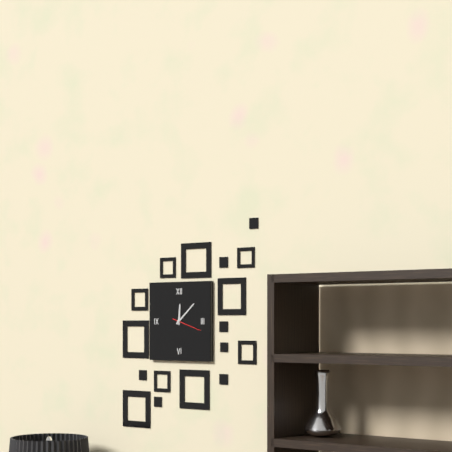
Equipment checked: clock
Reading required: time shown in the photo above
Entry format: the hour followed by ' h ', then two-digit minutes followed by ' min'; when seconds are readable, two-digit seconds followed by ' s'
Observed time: 12 h 08 min
